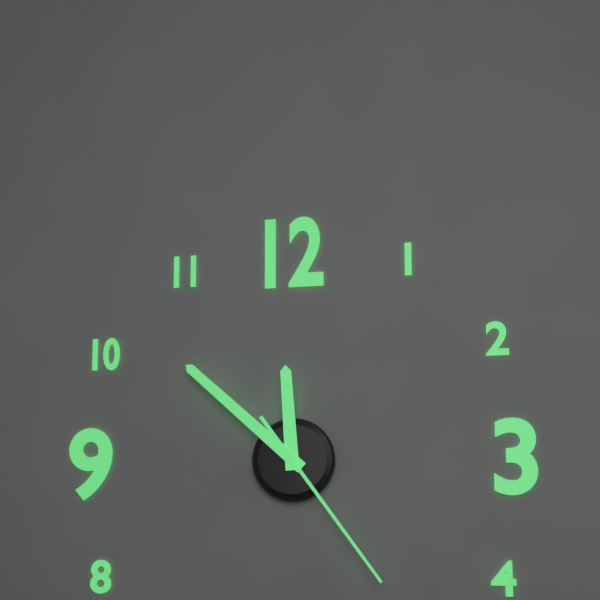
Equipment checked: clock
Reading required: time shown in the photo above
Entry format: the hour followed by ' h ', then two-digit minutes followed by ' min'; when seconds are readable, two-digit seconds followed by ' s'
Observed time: 11 h 52 min 24 s
